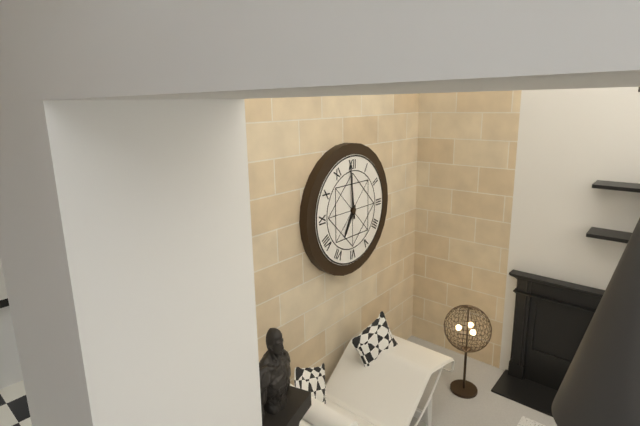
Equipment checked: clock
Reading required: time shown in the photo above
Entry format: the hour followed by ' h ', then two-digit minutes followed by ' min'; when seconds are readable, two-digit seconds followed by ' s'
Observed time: 6 h 59 min
